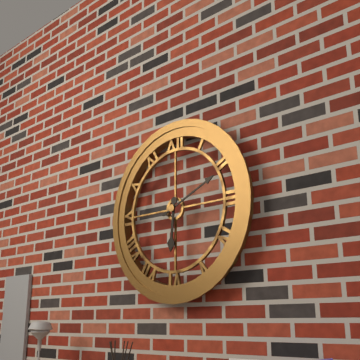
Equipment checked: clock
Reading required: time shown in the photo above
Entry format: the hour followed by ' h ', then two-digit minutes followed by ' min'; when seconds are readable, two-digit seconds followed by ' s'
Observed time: 6 h 11 min
